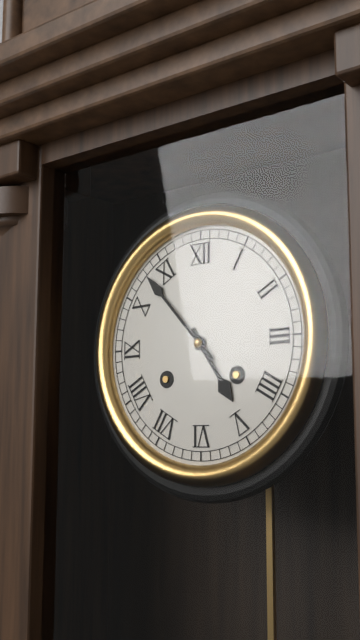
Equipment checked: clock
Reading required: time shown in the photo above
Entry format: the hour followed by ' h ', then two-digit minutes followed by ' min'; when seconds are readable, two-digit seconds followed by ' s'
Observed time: 4 h 53 min
